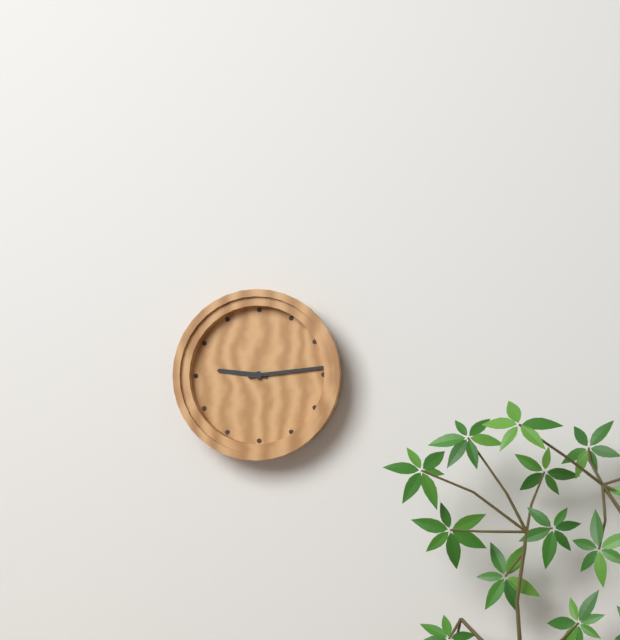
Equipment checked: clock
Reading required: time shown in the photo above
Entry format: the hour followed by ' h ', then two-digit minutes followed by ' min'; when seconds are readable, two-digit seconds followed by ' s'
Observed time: 9 h 14 min
